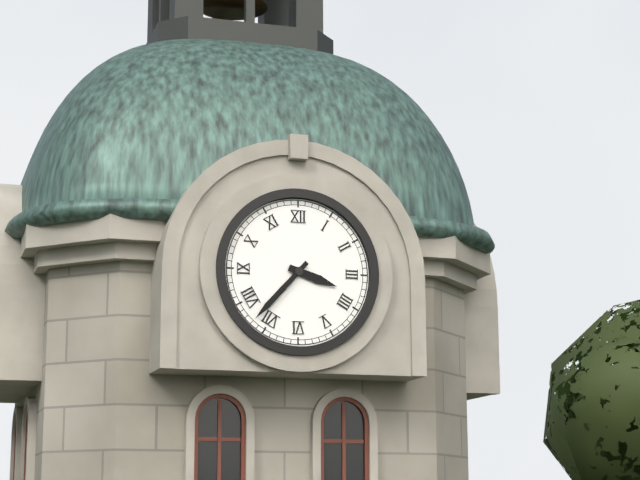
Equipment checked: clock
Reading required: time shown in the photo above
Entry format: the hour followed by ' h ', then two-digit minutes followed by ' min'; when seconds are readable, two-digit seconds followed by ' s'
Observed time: 3 h 37 min
